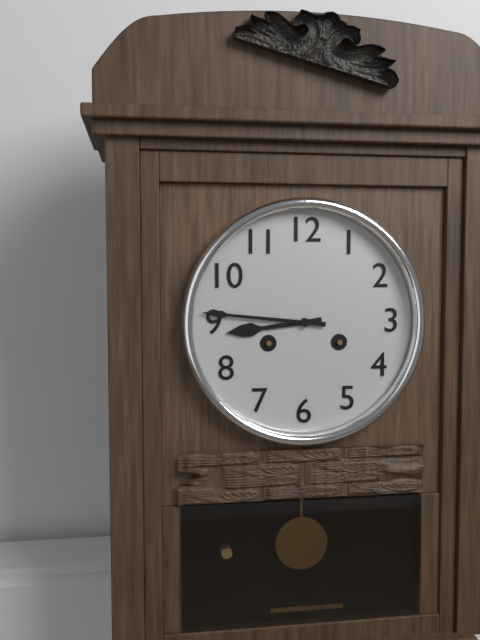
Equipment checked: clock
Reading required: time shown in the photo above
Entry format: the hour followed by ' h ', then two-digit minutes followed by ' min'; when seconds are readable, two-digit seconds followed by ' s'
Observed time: 8 h 46 min
